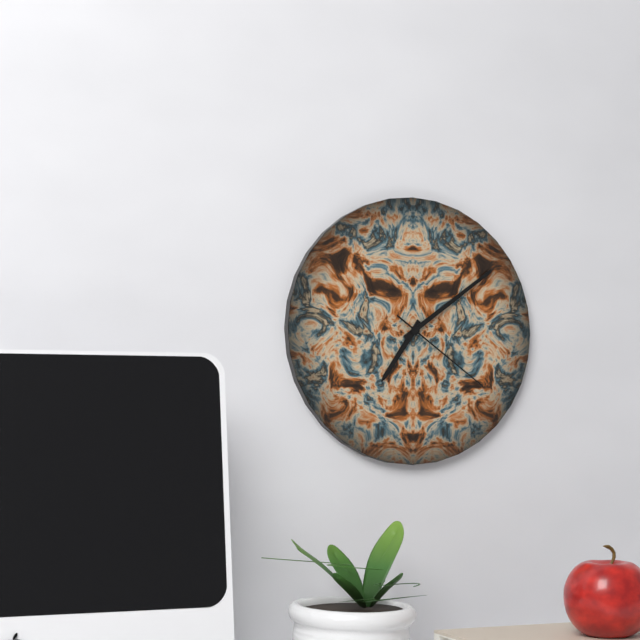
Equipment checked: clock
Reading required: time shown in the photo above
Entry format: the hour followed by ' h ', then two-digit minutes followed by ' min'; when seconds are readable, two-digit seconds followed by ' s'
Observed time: 7 h 09 min 21 s
